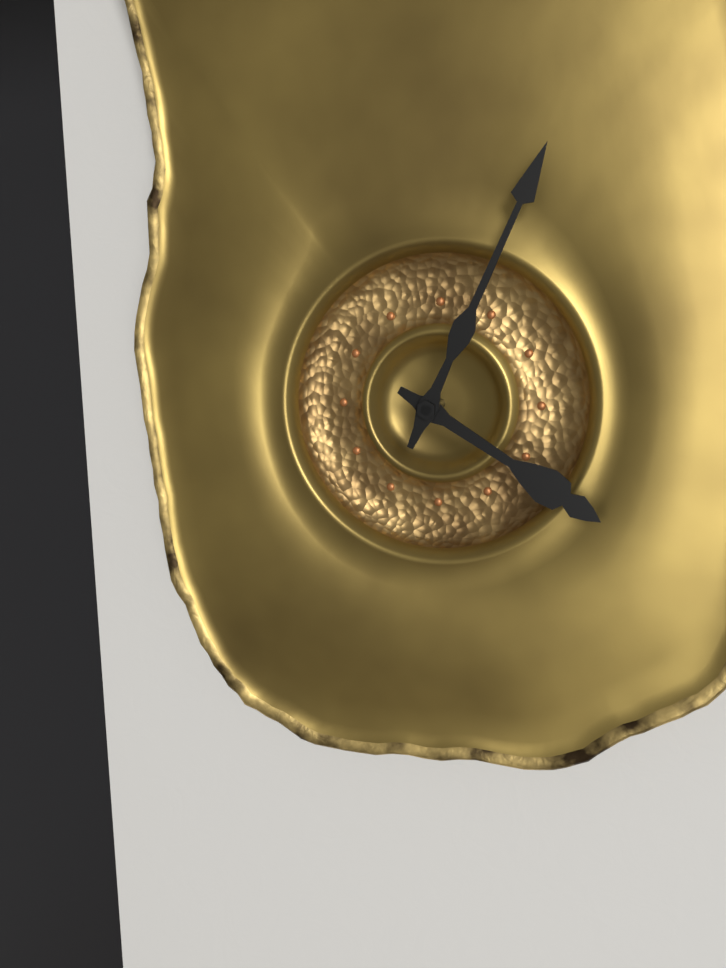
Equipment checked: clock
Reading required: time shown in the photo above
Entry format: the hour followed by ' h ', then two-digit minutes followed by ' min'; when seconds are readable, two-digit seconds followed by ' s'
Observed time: 4 h 04 min
